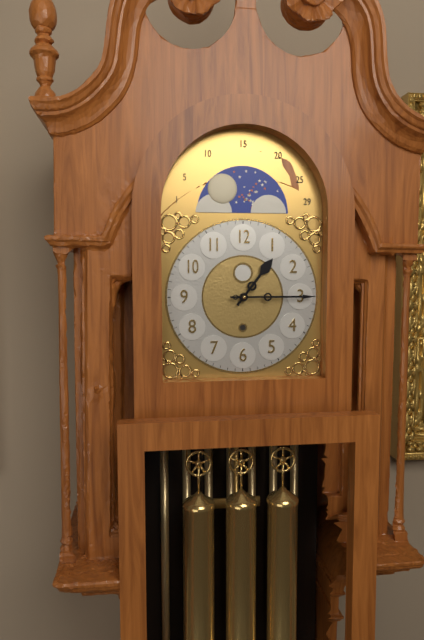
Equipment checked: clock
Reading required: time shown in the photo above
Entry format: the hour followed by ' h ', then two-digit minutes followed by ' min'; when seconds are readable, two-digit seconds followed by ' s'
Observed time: 1 h 15 min
